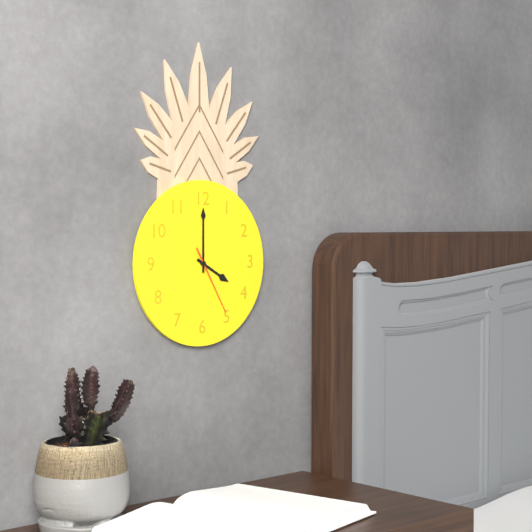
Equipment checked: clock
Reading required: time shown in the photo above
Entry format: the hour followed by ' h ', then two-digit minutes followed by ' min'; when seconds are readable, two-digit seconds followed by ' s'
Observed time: 4 h 00 min 25 s
